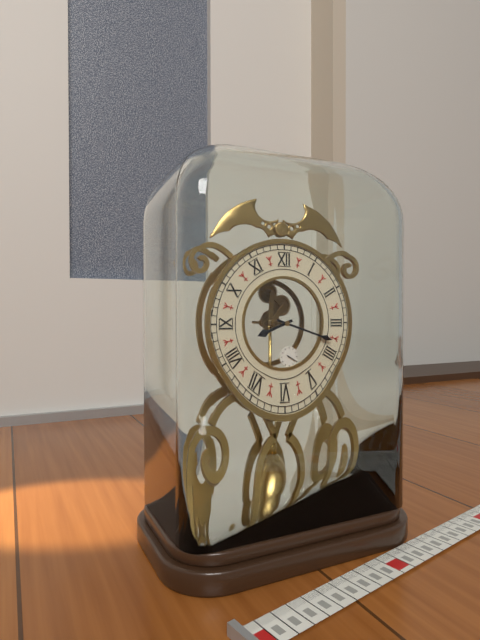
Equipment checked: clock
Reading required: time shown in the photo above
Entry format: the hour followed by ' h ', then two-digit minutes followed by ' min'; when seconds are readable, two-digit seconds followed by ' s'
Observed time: 8 h 18 min
